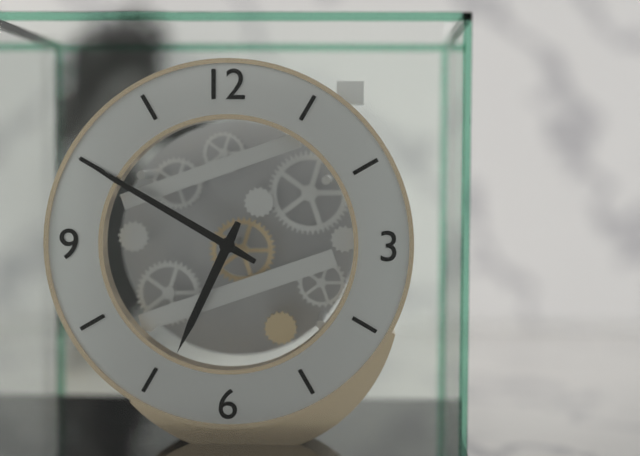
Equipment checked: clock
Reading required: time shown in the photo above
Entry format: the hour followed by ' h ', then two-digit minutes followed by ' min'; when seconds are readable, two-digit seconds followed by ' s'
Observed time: 6 h 50 min
